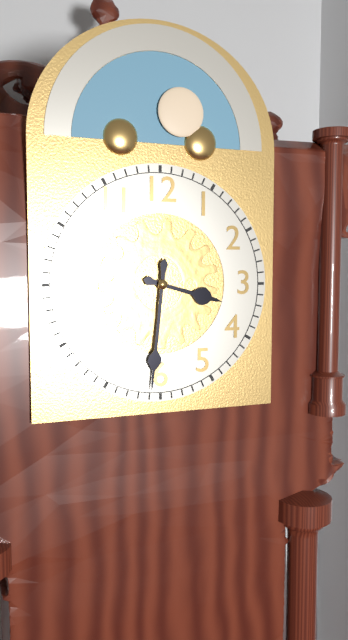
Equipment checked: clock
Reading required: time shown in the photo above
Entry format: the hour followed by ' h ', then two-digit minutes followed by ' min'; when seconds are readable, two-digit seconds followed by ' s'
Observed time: 3 h 31 min
